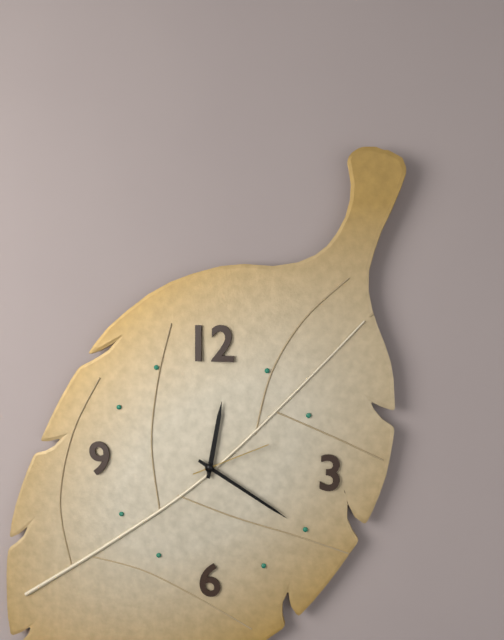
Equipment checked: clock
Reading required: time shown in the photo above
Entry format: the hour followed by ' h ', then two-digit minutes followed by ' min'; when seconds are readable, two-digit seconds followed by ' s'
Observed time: 12 h 20 min 11 s
